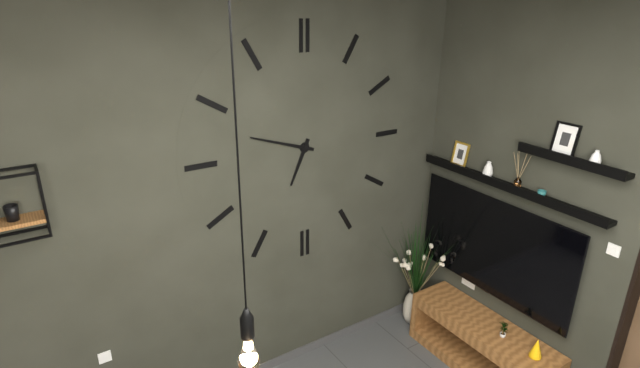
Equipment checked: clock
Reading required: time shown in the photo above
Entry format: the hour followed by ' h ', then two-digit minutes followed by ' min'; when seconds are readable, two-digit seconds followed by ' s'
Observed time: 6 h 48 min
